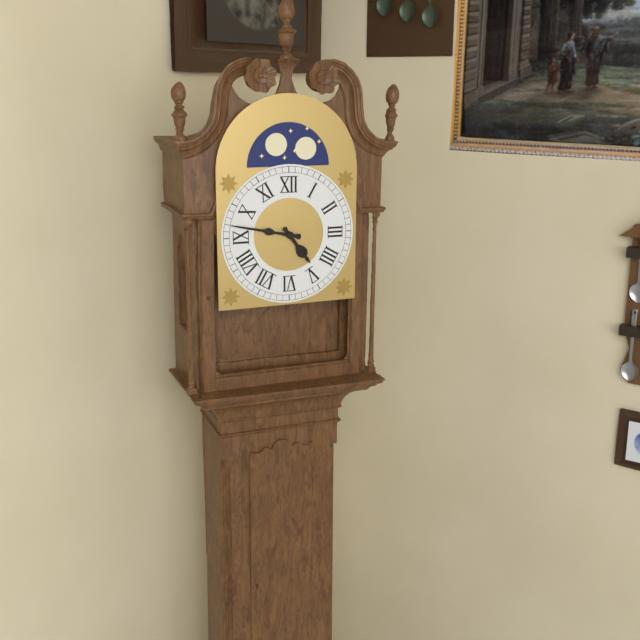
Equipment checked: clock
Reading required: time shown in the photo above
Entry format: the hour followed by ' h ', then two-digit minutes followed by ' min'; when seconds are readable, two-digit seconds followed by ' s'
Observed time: 4 h 47 min
